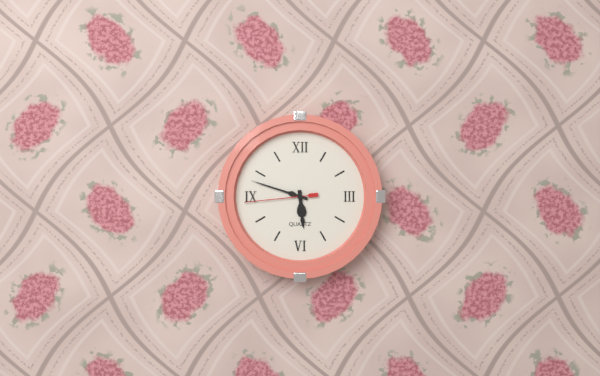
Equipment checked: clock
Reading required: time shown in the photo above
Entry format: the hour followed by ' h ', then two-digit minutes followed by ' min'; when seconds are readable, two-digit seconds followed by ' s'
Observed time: 5 h 48 min 44 s
